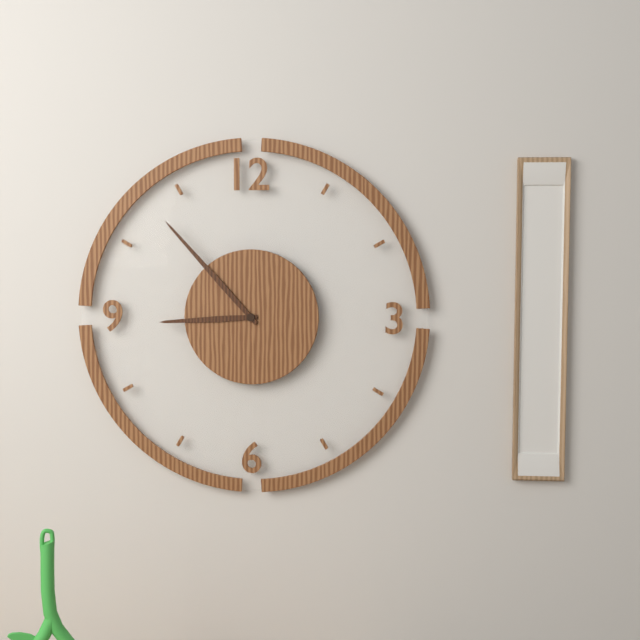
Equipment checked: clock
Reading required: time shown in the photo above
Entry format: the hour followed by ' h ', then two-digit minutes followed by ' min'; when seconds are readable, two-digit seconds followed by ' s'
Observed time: 8 h 53 min
